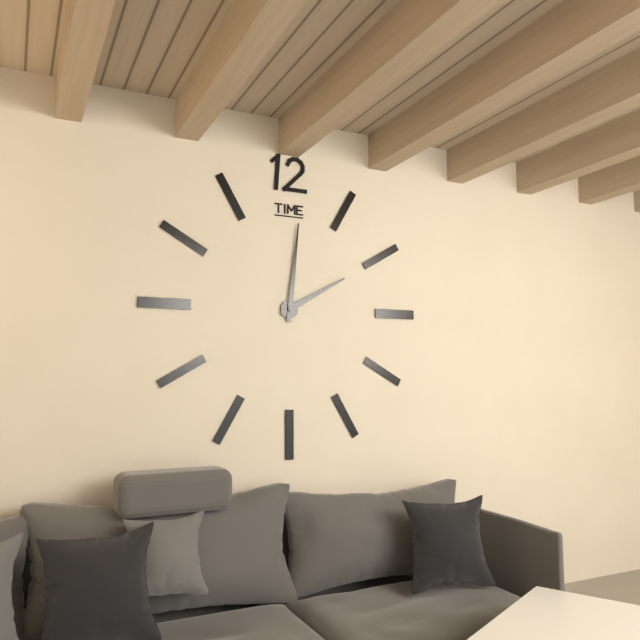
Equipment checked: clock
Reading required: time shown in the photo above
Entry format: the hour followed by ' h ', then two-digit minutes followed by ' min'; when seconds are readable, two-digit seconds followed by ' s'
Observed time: 2 h 01 min
